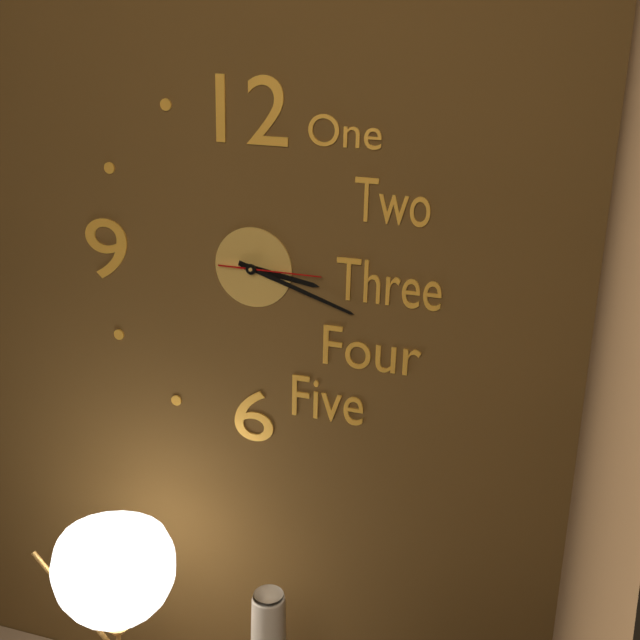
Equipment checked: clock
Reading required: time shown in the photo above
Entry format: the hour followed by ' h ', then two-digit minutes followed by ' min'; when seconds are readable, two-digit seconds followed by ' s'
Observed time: 3 h 18 min 15 s
